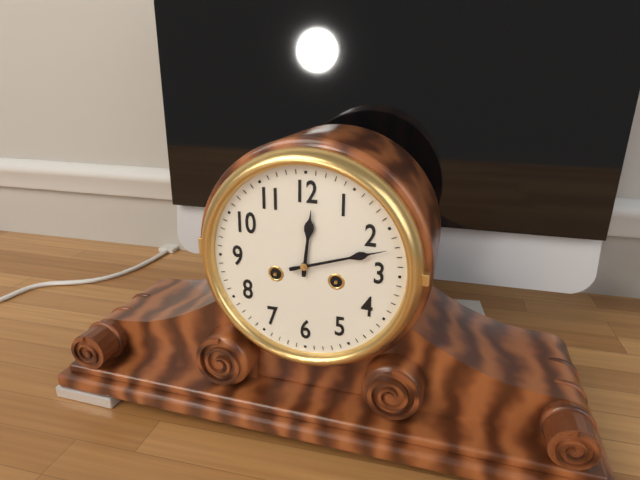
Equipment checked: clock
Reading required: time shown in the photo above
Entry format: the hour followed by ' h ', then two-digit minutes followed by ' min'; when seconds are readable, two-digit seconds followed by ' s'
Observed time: 12 h 12 min
